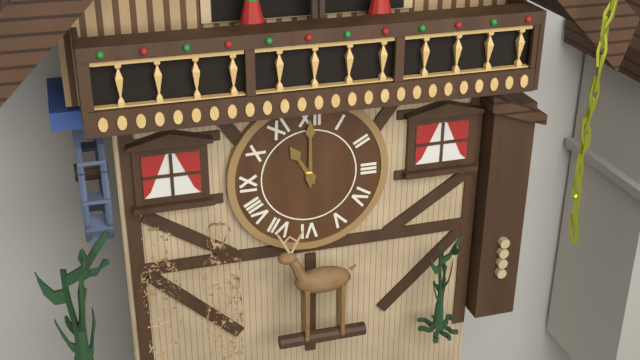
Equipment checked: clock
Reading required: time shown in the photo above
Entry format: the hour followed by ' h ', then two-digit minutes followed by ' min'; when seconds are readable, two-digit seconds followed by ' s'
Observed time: 11 h 00 min
